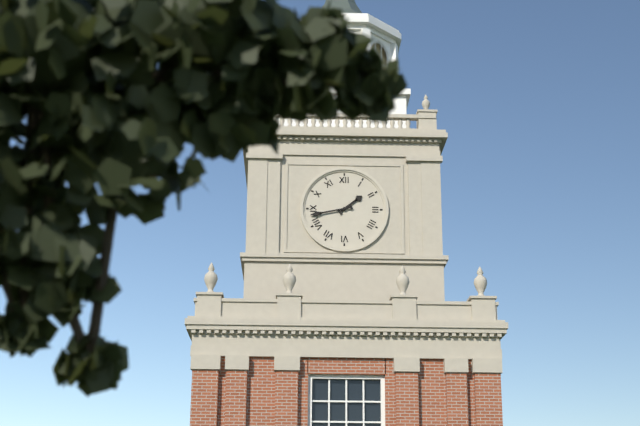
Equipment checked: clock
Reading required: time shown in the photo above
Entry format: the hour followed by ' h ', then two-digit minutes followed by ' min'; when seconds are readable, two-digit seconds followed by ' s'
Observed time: 1 h 43 min
